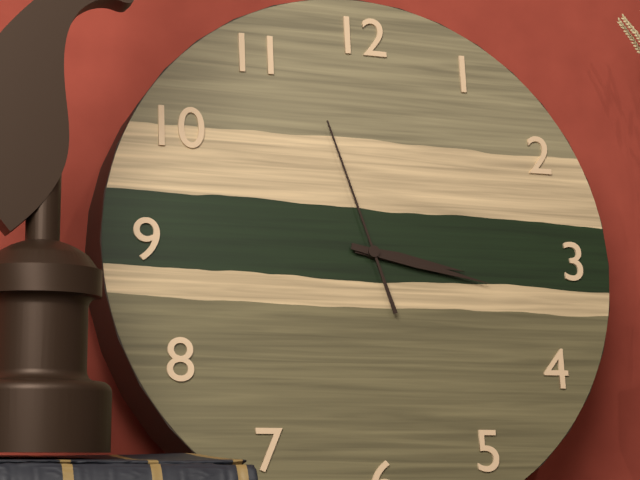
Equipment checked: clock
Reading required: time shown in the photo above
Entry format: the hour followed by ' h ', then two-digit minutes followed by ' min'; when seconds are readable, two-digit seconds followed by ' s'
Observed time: 3 h 17 min 57 s
